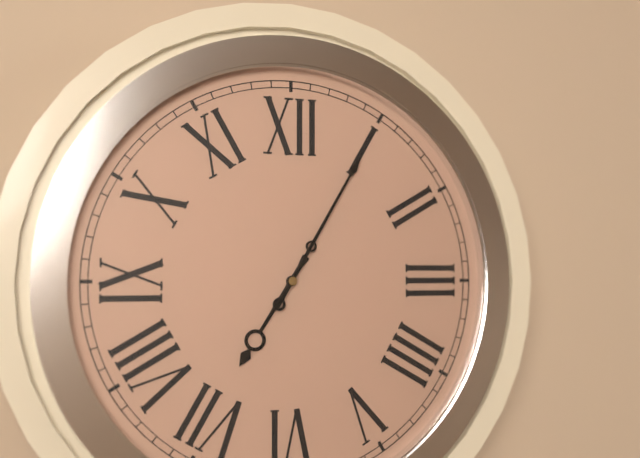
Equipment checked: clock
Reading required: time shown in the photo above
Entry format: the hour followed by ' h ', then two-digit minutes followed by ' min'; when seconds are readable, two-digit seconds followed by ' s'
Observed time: 7 h 05 min
